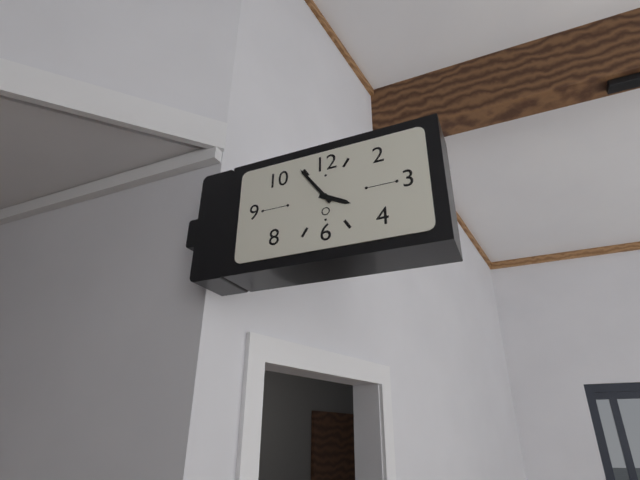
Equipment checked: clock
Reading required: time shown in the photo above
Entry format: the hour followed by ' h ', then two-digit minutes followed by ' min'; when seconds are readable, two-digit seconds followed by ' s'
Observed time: 3 h 54 min
